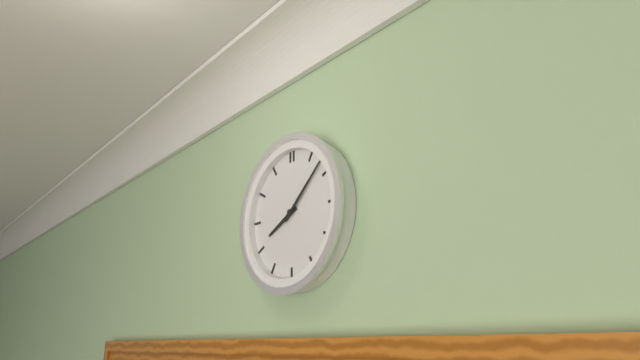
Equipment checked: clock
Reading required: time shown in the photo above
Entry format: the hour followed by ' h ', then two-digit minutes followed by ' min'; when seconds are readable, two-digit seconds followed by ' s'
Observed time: 8 h 08 min
